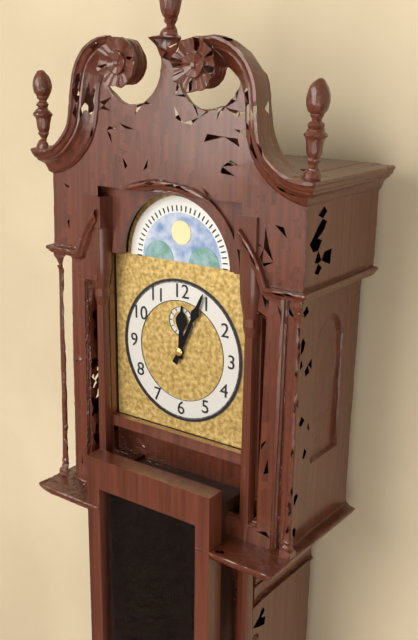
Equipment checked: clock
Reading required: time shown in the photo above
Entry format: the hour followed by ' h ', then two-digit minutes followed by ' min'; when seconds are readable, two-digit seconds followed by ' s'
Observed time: 12 h 04 min
